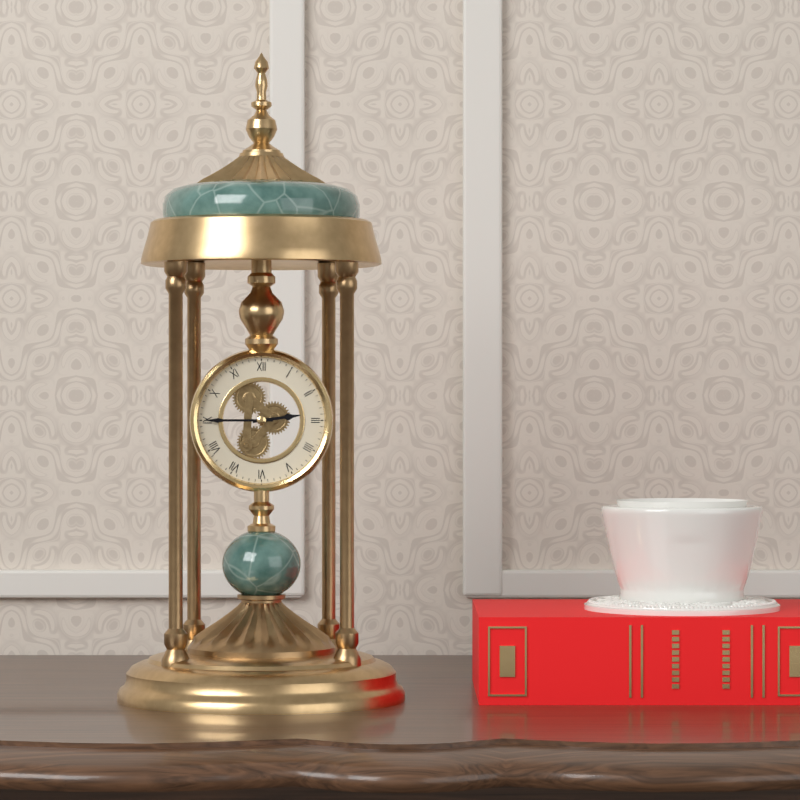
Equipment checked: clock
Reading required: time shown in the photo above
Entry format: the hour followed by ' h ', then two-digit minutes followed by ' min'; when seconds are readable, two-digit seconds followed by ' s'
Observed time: 2 h 45 min
